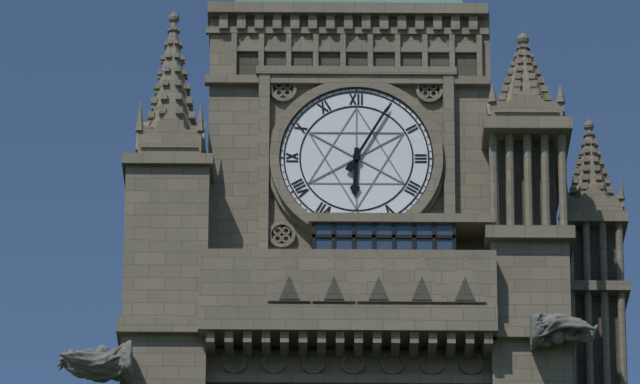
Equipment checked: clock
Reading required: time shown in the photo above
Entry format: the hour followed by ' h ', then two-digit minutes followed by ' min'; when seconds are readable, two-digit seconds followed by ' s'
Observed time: 6 h 05 min
